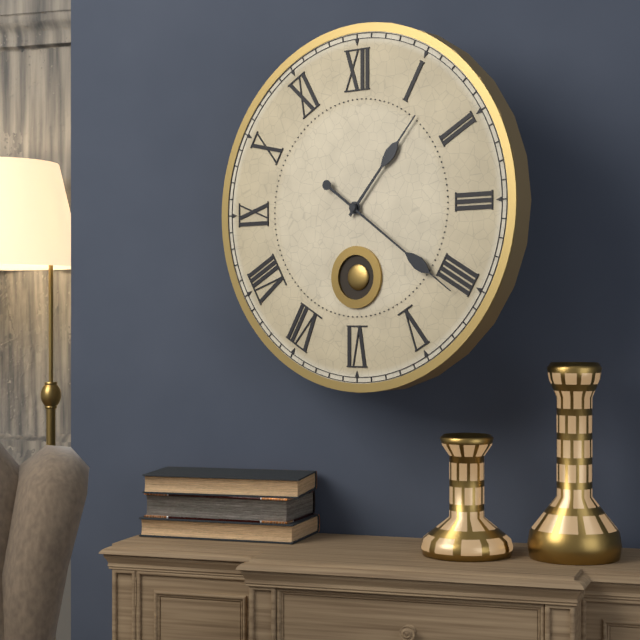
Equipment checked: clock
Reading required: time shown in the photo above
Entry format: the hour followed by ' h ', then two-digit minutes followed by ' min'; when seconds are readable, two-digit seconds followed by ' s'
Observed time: 1 h 21 min
